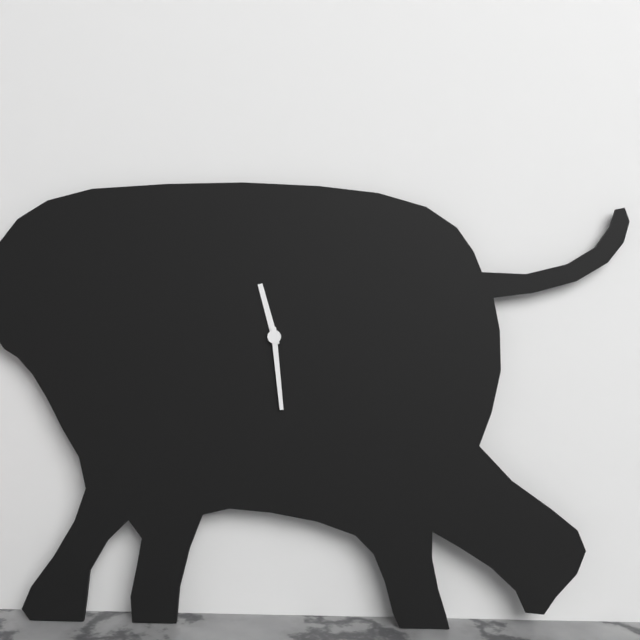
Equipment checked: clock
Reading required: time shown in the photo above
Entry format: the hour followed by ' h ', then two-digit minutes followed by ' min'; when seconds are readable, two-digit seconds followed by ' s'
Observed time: 11 h 29 min
